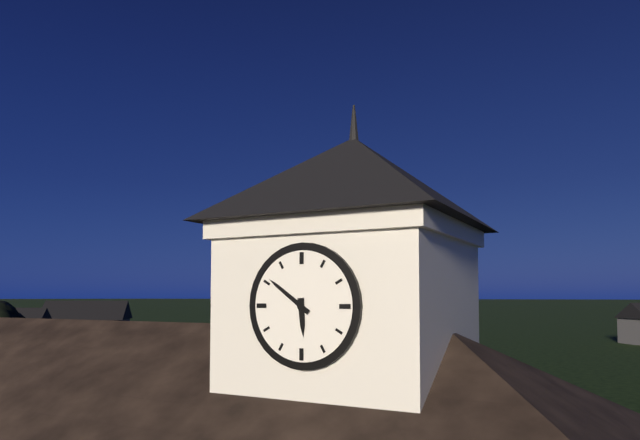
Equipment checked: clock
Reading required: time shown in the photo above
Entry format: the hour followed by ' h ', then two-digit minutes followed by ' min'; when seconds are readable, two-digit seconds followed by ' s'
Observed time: 5 h 51 min
